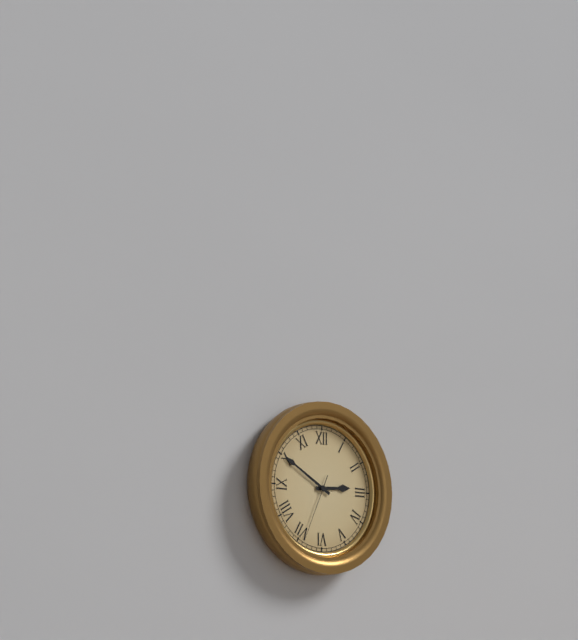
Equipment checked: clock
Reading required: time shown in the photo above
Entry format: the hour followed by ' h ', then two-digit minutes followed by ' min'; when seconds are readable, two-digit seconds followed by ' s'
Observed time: 2 h 50 min 34 s
